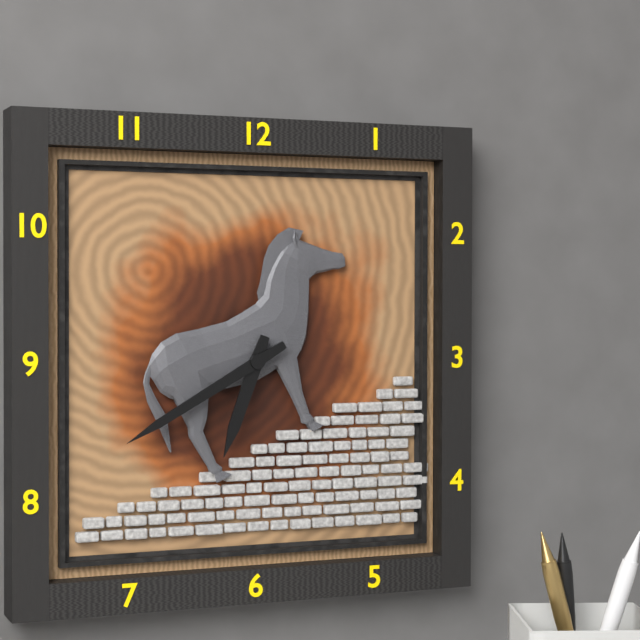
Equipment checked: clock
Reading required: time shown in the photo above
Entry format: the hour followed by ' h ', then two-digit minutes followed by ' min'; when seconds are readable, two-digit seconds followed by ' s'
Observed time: 6 h 40 min
